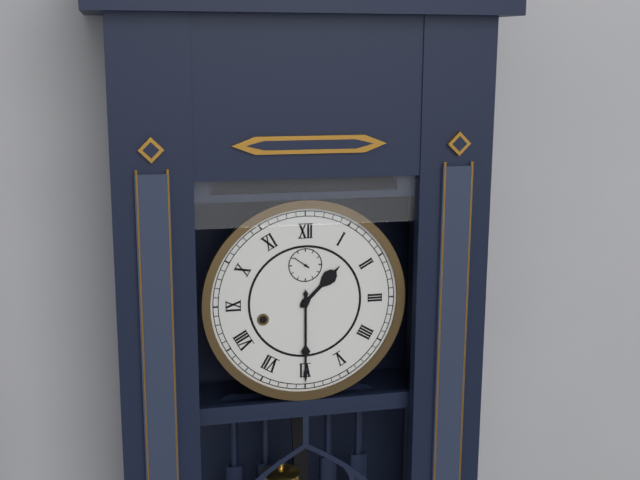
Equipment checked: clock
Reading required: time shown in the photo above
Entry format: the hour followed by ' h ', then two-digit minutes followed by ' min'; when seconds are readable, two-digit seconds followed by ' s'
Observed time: 1 h 30 min
